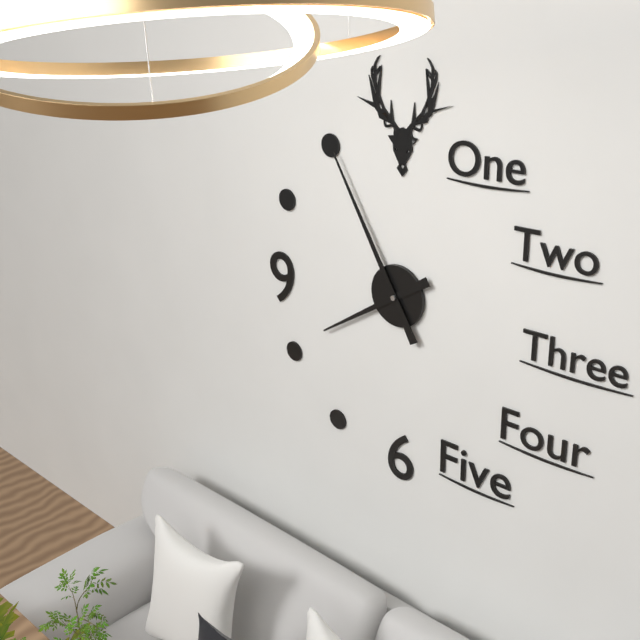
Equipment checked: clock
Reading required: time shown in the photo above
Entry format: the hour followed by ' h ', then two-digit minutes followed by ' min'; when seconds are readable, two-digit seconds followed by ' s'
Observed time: 7 h 55 min
